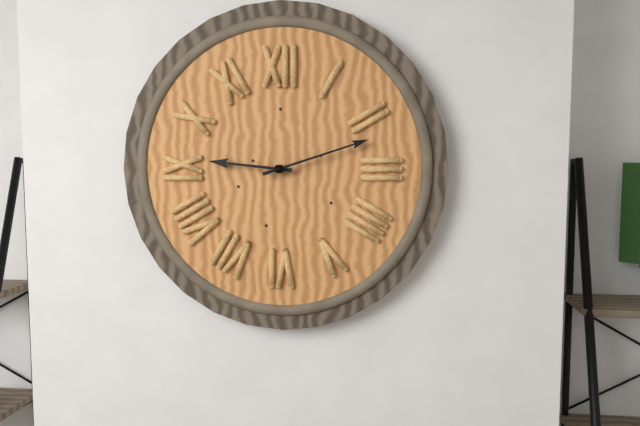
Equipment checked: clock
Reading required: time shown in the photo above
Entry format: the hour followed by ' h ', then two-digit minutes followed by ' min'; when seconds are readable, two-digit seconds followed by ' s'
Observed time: 9 h 12 min
